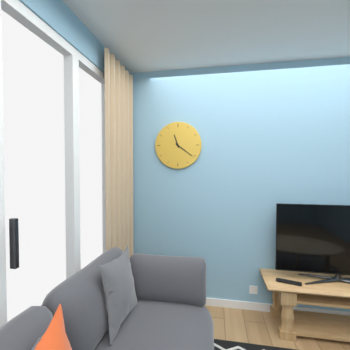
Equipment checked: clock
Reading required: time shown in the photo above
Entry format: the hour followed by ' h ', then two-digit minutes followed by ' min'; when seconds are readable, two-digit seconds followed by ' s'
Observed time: 11 h 21 min
